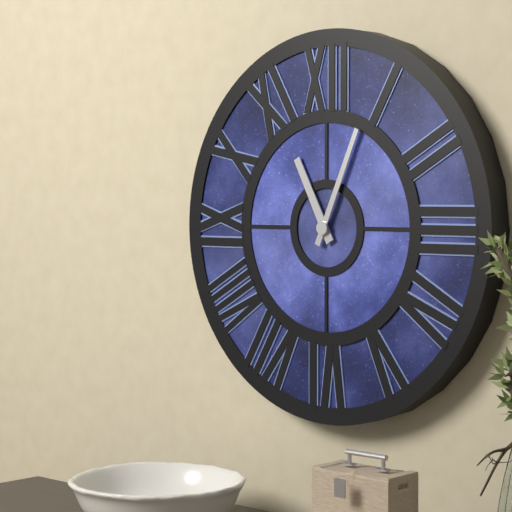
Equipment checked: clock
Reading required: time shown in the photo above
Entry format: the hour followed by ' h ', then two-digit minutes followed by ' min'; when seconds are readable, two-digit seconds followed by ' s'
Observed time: 11 h 04 min
